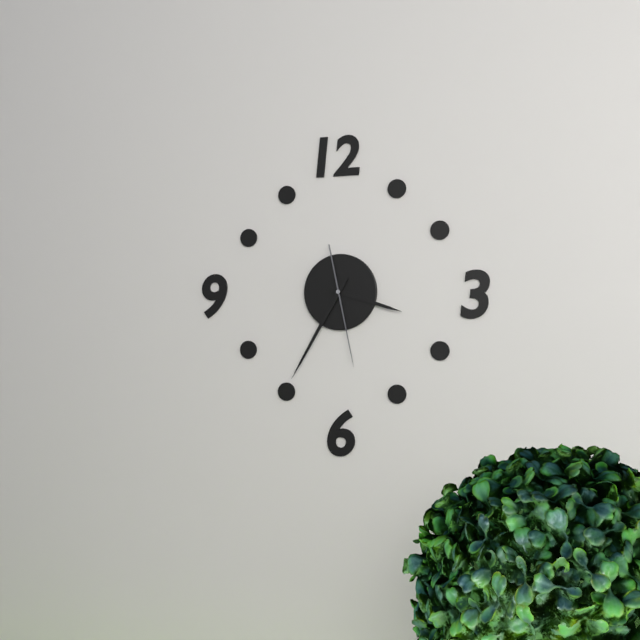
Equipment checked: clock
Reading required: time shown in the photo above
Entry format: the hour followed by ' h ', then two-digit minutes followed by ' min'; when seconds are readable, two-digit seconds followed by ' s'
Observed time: 3 h 35 min 28 s
